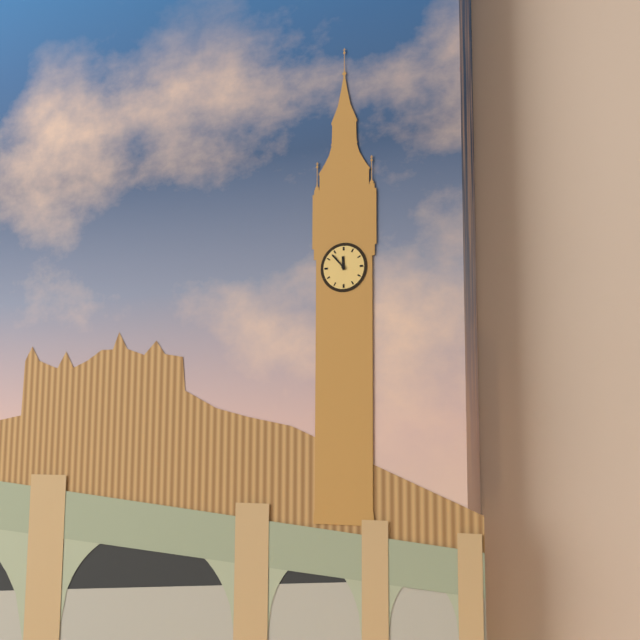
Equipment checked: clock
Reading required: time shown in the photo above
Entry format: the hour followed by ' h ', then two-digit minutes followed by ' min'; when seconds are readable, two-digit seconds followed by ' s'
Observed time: 11 h 53 min
